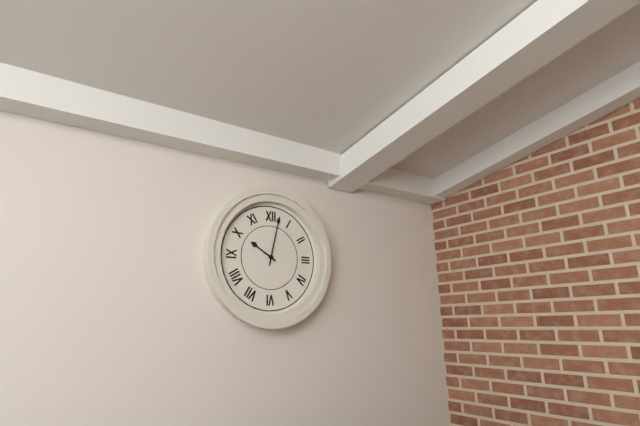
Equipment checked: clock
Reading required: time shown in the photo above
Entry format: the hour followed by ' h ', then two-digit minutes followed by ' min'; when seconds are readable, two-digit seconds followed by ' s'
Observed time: 10 h 02 min
